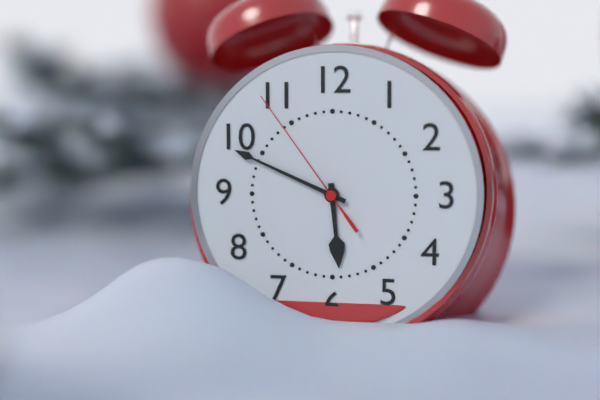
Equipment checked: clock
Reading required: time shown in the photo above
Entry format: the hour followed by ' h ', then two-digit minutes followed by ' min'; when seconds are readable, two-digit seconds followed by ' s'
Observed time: 5 h 49 min 54 s
